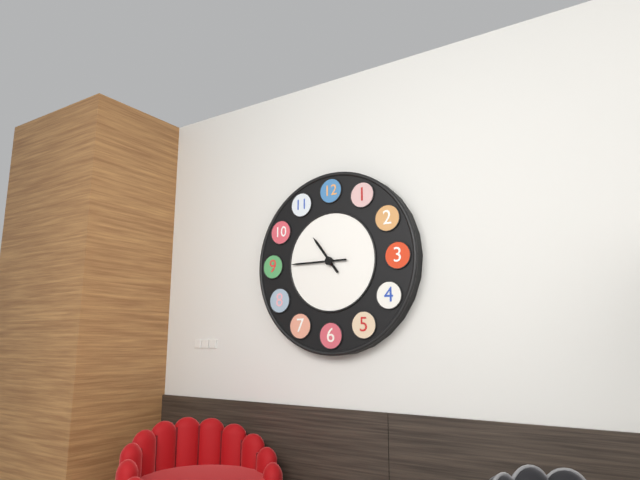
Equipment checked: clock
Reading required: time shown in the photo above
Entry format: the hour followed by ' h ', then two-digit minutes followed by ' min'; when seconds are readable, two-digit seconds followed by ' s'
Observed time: 10 h 45 min
